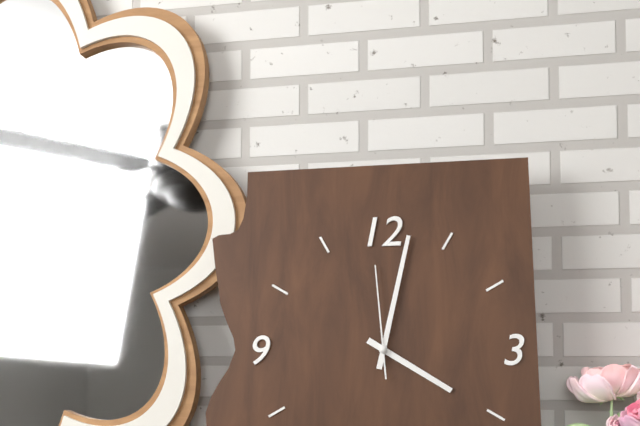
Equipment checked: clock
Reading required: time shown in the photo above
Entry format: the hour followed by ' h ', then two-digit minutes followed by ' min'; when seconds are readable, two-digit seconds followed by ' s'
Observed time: 4 h 02 min 59 s
